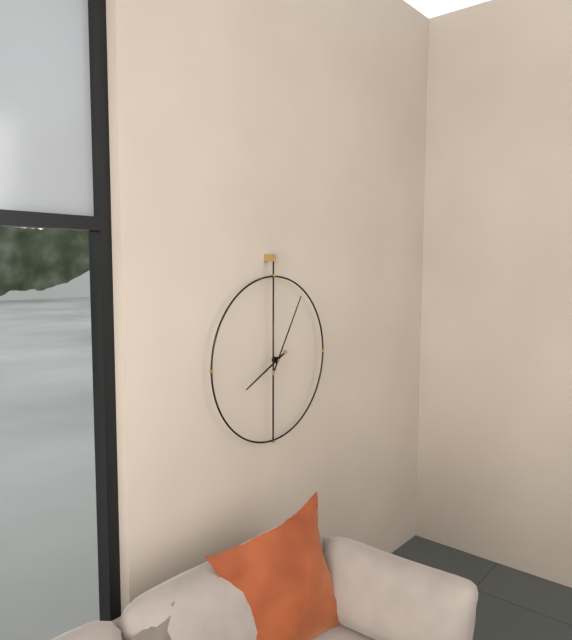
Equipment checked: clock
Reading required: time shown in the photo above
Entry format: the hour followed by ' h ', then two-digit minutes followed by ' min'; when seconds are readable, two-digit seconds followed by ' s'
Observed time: 8 h 05 min
